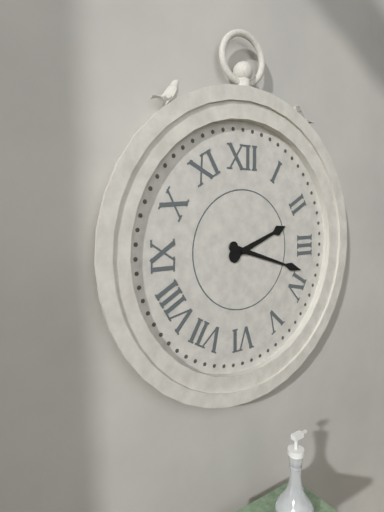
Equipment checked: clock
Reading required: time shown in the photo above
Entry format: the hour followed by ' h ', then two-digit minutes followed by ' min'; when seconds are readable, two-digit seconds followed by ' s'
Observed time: 2 h 18 min
